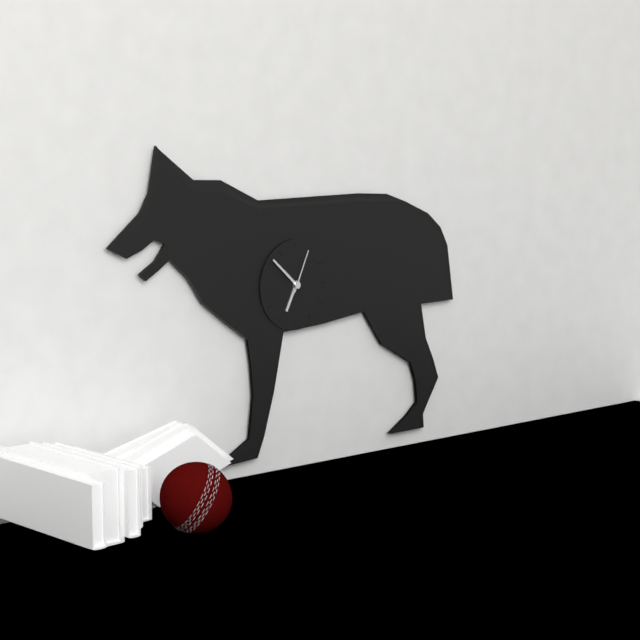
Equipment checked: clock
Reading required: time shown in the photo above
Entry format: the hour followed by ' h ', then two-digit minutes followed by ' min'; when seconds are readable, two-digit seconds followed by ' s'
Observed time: 6 h 52 min
